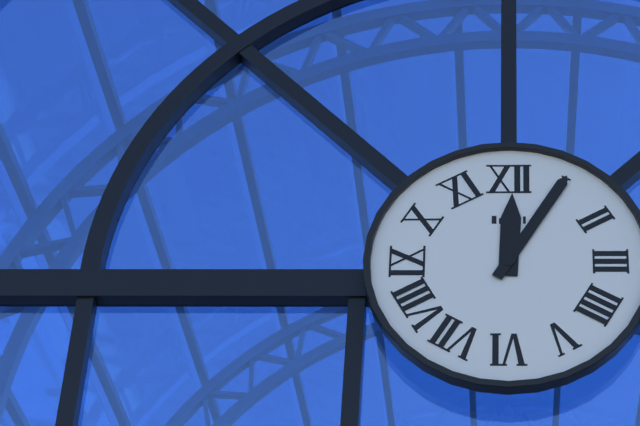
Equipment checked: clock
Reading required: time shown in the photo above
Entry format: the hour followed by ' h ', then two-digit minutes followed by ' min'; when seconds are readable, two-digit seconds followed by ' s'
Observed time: 12 h 05 min
